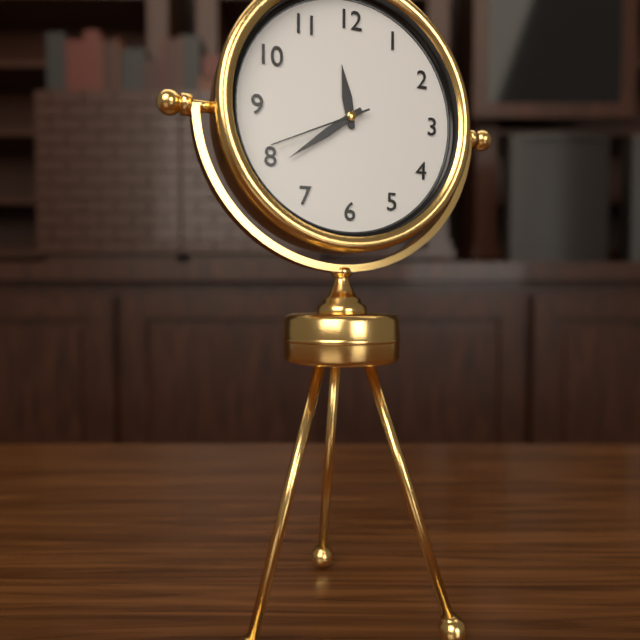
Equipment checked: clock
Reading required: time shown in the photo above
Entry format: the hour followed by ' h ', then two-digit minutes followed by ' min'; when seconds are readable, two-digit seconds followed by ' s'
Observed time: 11 h 39 min 41 s
